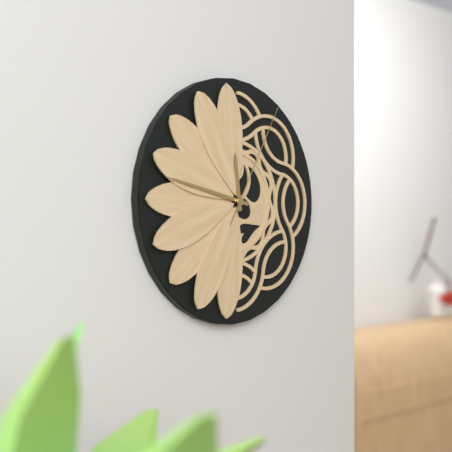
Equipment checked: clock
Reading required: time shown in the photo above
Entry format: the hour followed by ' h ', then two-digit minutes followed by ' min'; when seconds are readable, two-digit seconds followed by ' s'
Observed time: 11 h 47 min 05 s
